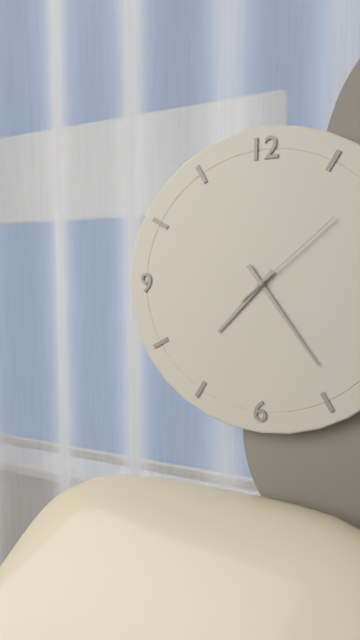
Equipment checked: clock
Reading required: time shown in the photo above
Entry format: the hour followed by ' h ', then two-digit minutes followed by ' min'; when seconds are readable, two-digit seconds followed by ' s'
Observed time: 7 h 24 min 08 s
